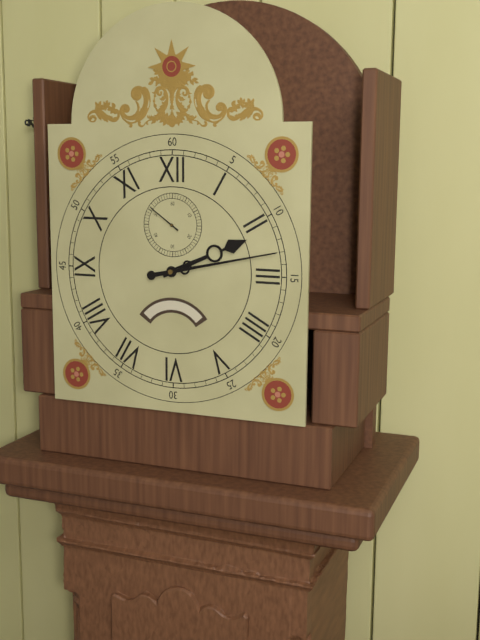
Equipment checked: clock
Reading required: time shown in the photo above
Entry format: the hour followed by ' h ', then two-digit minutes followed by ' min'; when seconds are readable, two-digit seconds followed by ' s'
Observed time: 2 h 13 min
